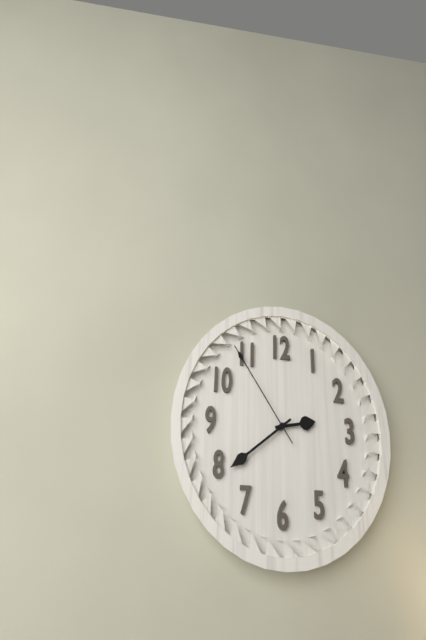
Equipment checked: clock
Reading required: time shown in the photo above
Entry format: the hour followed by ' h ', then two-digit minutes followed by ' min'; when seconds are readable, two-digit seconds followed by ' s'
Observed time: 2 h 39 min 54 s
